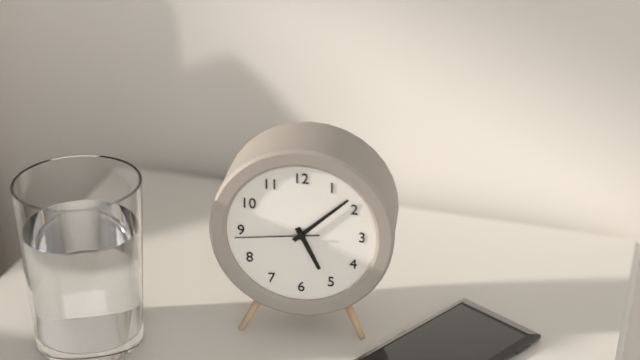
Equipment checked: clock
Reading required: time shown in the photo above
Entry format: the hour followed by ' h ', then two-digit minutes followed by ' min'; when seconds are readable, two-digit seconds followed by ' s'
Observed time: 5 h 08 min 44 s
